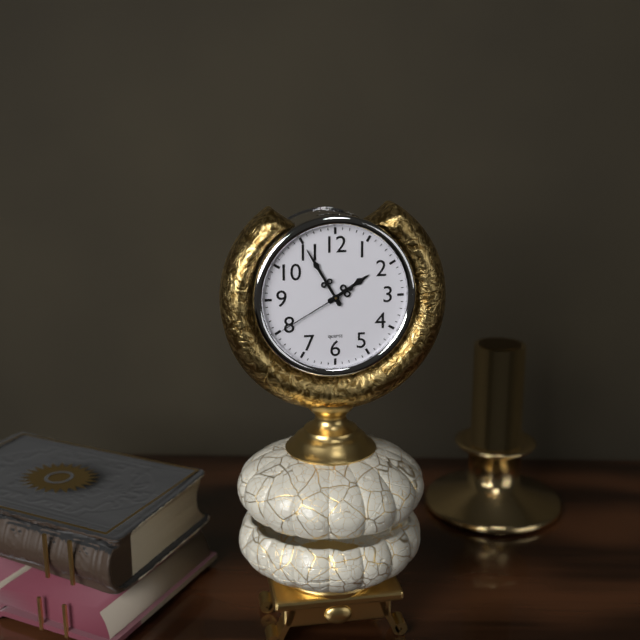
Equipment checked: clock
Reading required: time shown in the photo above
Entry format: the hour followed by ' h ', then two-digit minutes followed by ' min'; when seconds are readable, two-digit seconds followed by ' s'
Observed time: 1 h 55 min 40 s
